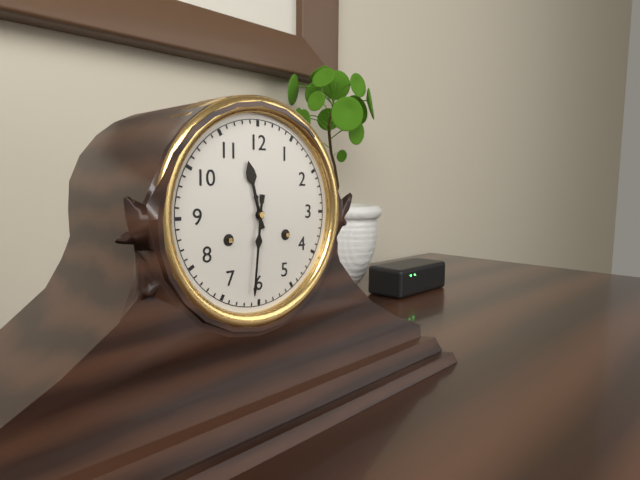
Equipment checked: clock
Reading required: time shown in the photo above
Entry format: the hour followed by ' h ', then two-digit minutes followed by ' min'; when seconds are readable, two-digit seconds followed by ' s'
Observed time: 11 h 31 min
